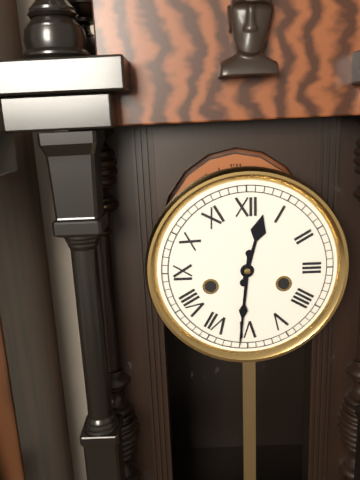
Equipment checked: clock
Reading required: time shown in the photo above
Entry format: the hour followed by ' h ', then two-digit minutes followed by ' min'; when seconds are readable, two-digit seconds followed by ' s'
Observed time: 12 h 31 min
